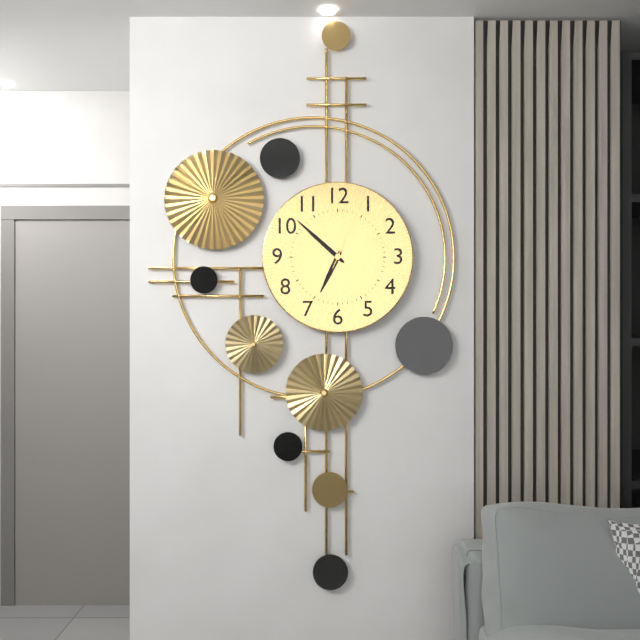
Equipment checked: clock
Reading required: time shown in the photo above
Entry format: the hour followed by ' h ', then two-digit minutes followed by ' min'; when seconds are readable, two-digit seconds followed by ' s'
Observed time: 6 h 52 min 04 s
